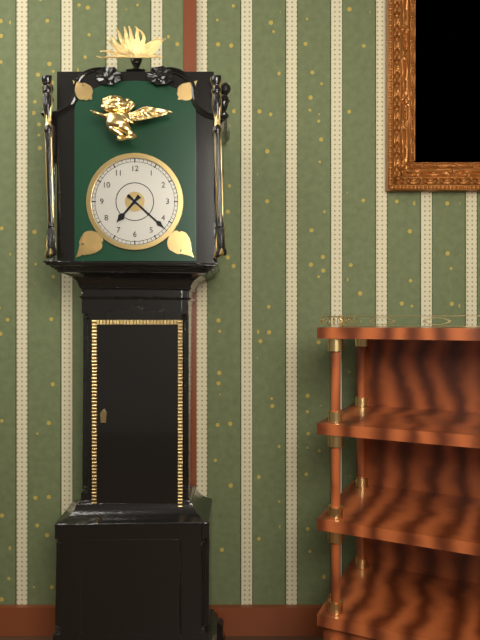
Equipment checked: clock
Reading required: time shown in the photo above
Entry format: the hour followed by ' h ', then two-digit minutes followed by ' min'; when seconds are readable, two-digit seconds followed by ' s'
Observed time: 7 h 22 min
